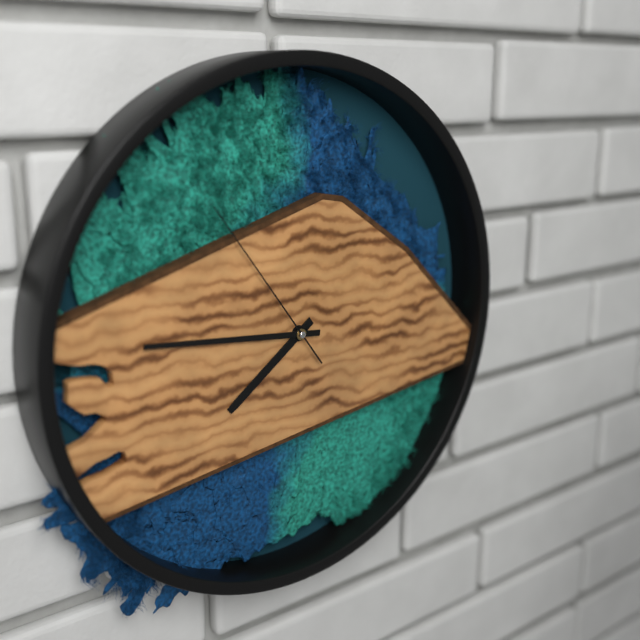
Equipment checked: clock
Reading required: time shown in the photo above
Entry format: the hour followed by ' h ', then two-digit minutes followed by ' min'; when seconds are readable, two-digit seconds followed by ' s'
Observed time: 7 h 46 min 54 s
